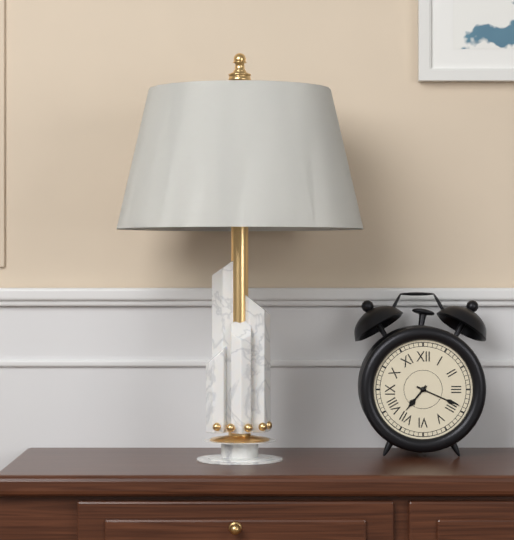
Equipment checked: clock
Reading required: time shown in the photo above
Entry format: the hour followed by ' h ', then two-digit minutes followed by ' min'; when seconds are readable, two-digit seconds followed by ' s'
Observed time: 7 h 19 min
